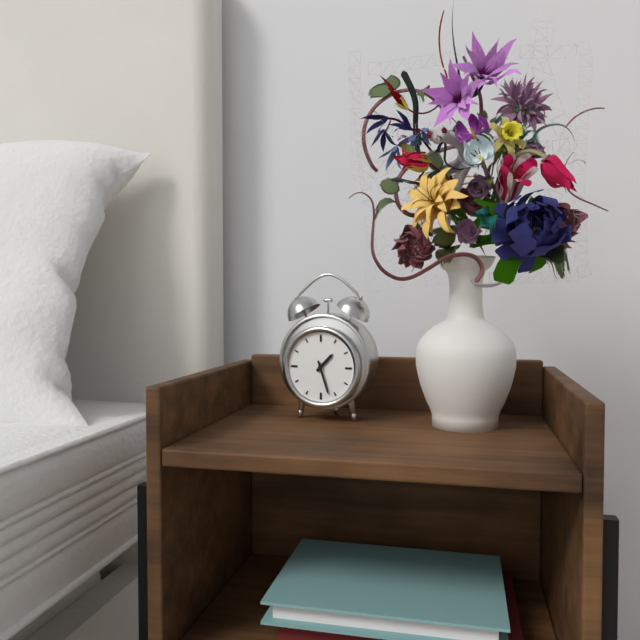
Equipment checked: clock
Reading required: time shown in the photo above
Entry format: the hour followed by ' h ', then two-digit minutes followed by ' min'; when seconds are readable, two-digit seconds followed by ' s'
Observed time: 1 h 27 min
